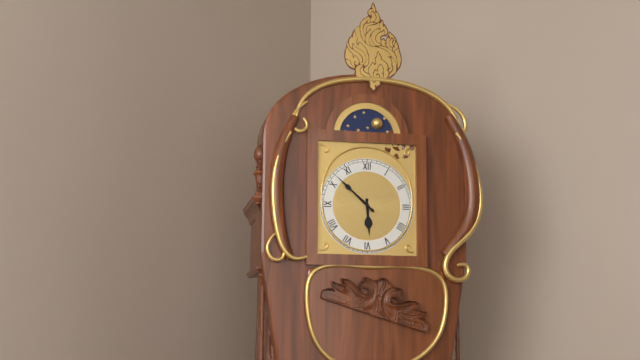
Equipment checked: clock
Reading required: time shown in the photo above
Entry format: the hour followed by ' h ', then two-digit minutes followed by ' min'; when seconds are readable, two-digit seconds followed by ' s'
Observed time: 5 h 52 min
